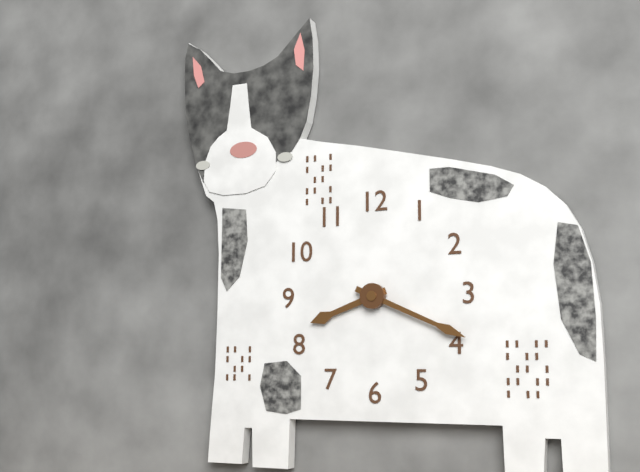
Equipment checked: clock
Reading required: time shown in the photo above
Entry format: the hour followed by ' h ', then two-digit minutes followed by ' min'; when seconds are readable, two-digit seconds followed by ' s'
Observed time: 8 h 19 min
